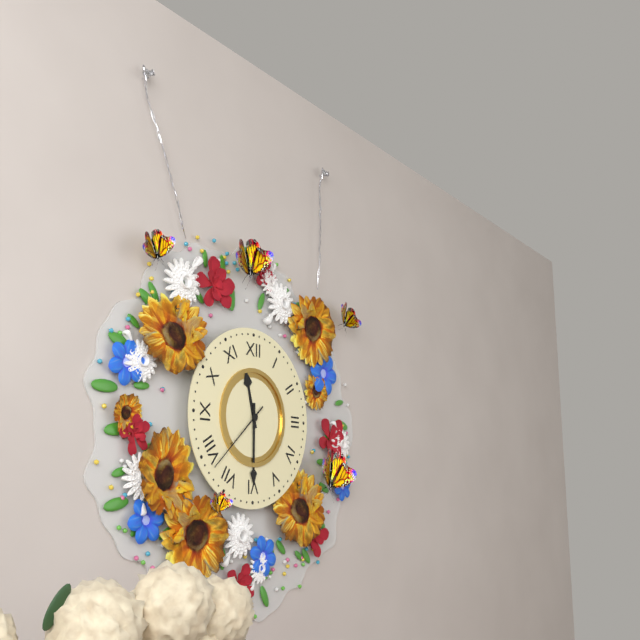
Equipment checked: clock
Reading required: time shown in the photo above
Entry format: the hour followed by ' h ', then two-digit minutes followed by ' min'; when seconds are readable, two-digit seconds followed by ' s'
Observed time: 11 h 30 min 38 s
